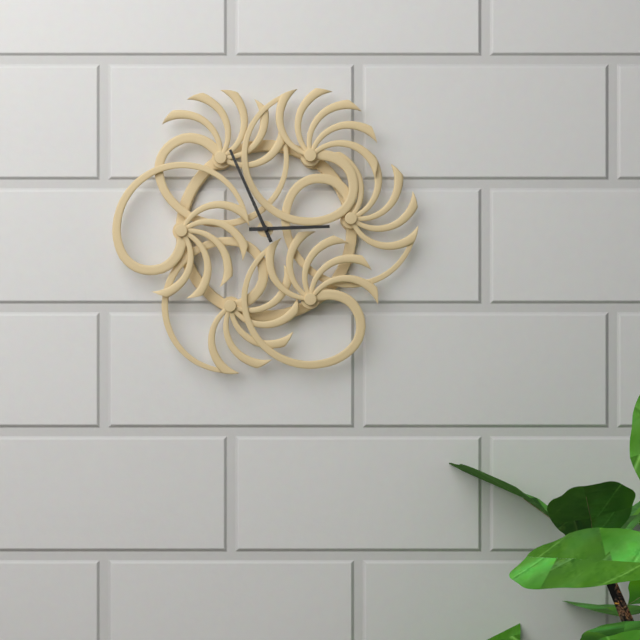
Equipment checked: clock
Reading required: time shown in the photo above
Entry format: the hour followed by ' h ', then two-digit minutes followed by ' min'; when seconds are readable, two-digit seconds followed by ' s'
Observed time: 2 h 56 min
